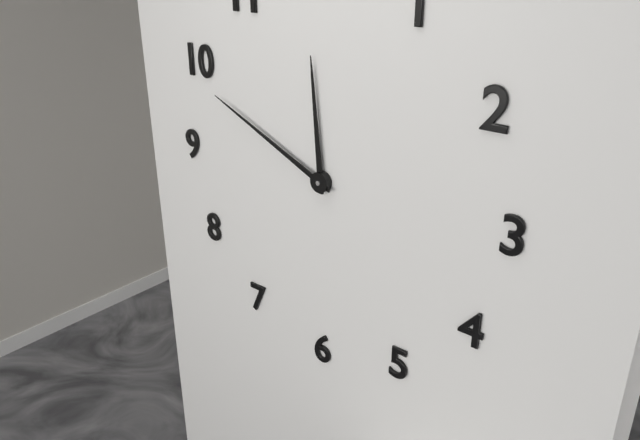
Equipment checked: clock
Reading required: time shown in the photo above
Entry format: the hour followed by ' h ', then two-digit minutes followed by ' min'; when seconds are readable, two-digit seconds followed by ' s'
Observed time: 11 h 49 min
